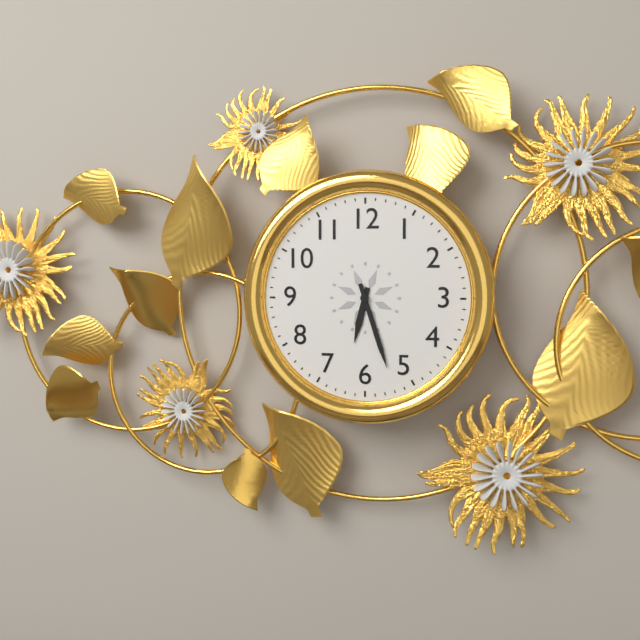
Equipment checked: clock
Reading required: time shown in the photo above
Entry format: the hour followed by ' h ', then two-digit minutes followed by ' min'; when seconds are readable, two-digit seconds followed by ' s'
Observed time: 6 h 27 min
